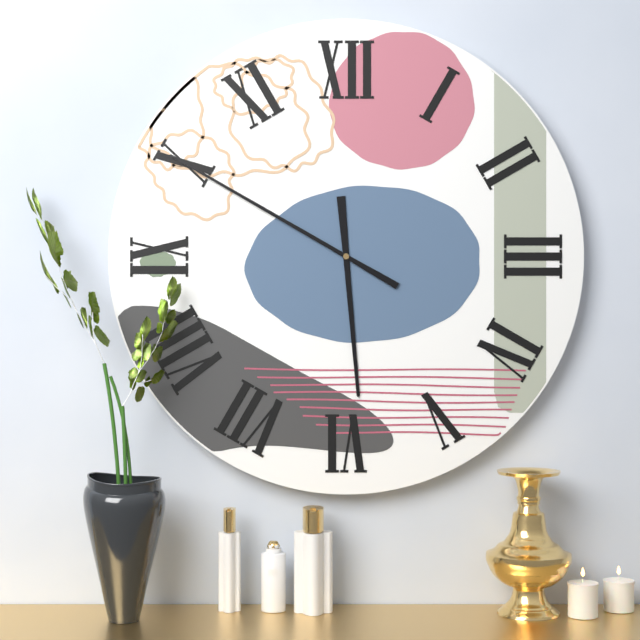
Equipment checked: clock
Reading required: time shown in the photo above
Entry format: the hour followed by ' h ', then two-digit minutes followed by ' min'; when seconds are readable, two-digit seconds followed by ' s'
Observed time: 5 h 50 min
